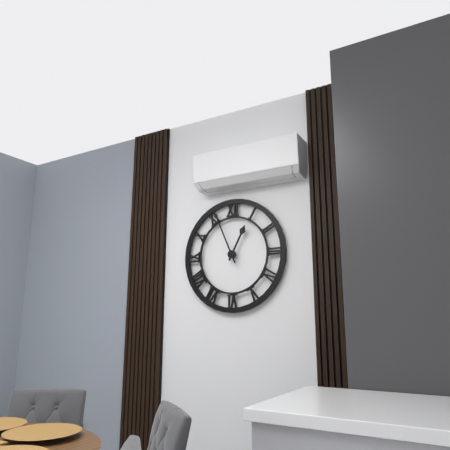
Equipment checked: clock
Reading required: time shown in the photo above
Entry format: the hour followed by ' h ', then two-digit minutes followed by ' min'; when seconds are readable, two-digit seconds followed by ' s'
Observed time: 12 h 56 min
